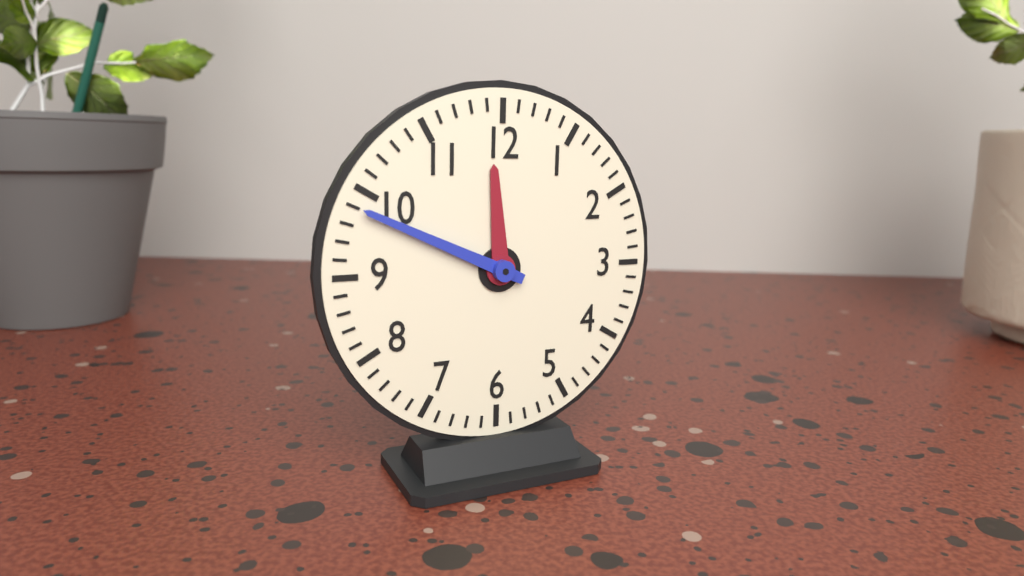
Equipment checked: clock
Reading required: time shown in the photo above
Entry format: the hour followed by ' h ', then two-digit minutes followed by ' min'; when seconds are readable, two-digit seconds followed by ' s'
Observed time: 11 h 49 min
